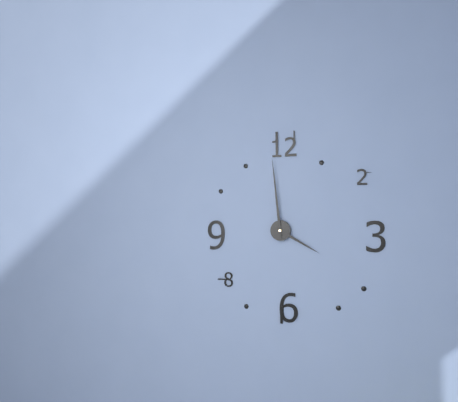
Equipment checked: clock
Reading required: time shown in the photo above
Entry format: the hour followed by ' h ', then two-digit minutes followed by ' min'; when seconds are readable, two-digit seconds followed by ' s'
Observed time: 3 h 59 min
